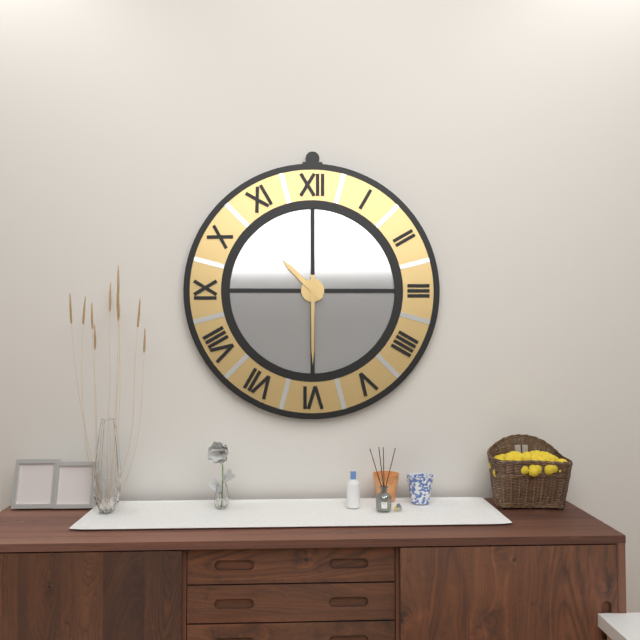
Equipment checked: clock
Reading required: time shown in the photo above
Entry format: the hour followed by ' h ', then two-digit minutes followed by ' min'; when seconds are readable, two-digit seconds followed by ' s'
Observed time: 10 h 30 min
